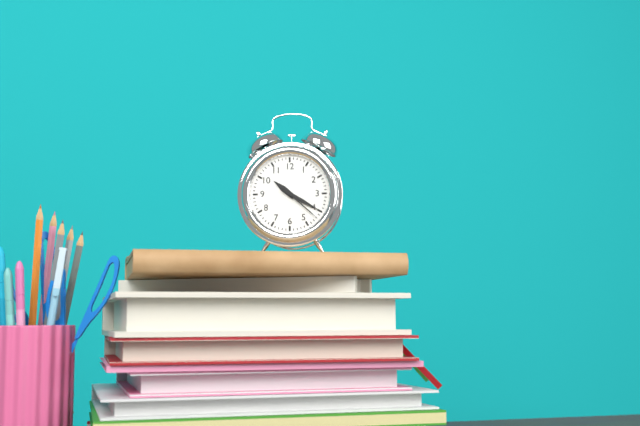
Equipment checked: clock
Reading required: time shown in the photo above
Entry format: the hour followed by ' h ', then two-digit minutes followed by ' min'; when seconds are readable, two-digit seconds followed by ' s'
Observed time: 10 h 20 min
